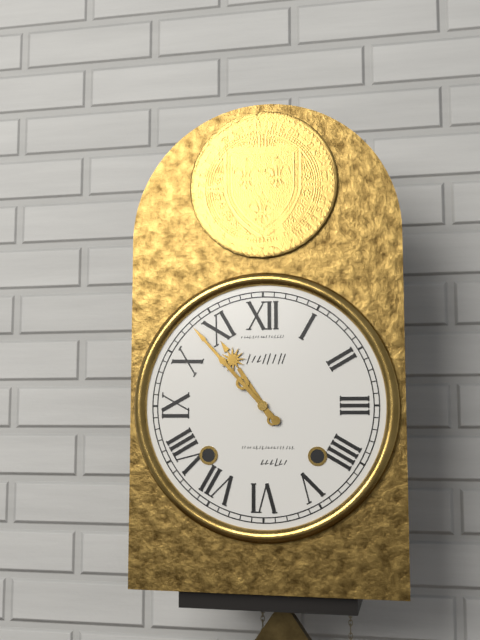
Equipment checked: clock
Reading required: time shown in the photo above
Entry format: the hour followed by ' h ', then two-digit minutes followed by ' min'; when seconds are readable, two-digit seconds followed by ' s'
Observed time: 10 h 53 min
